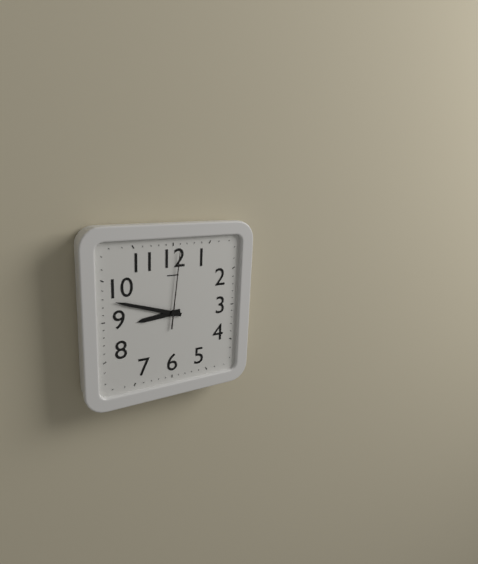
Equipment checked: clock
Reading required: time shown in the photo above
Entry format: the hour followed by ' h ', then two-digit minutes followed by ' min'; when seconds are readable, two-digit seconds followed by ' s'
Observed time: 8 h 48 min 01 s
